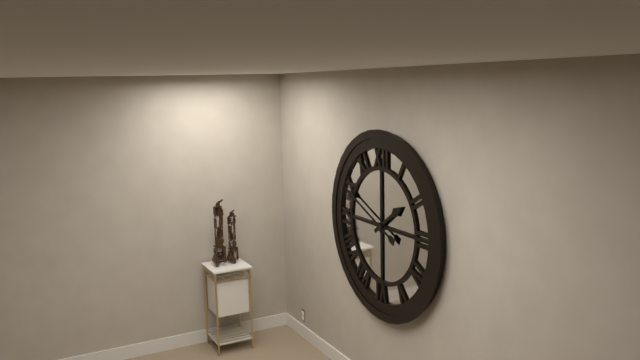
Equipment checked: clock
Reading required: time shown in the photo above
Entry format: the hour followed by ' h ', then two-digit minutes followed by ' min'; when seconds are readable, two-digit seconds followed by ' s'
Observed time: 1 h 49 min
